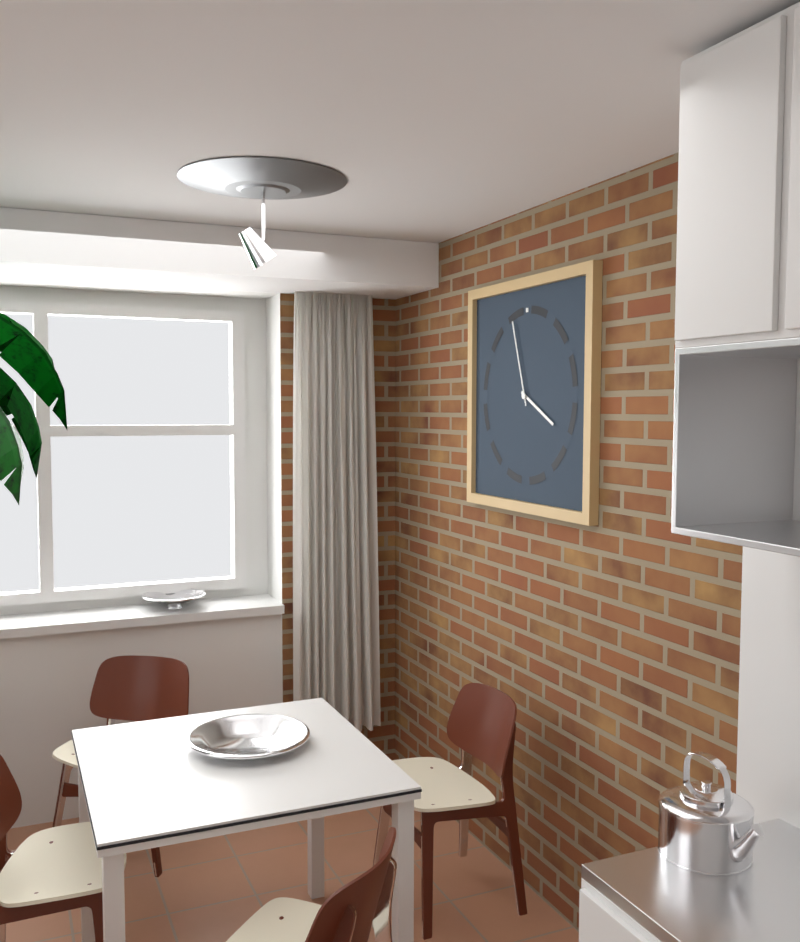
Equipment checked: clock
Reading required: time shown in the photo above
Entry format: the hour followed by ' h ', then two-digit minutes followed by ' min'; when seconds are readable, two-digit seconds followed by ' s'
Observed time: 3 h 57 min
